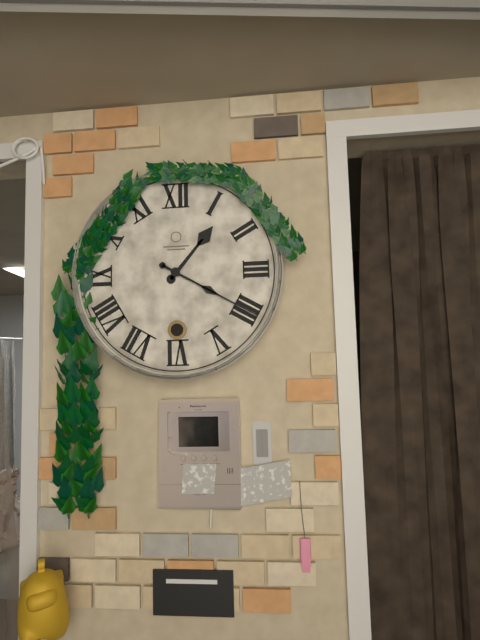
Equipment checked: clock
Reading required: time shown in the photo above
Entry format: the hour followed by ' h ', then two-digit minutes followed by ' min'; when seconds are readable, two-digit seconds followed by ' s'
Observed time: 1 h 20 min
